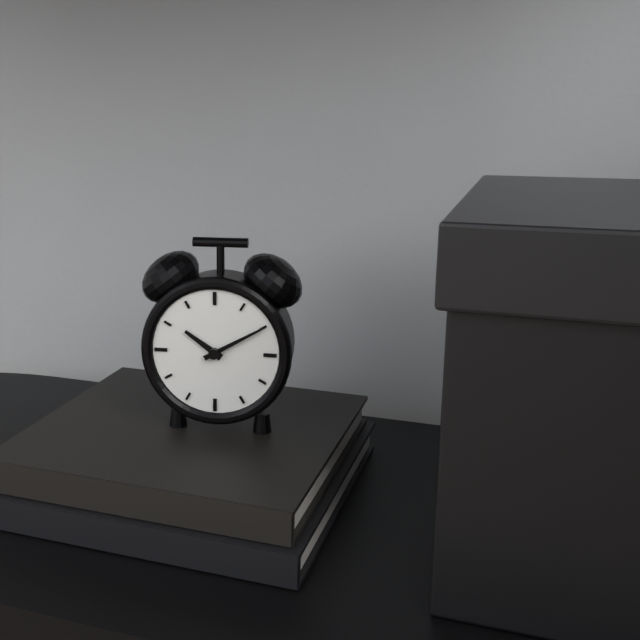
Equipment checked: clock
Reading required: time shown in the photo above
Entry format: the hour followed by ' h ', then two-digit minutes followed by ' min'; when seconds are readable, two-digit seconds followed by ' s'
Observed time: 10 h 10 min
